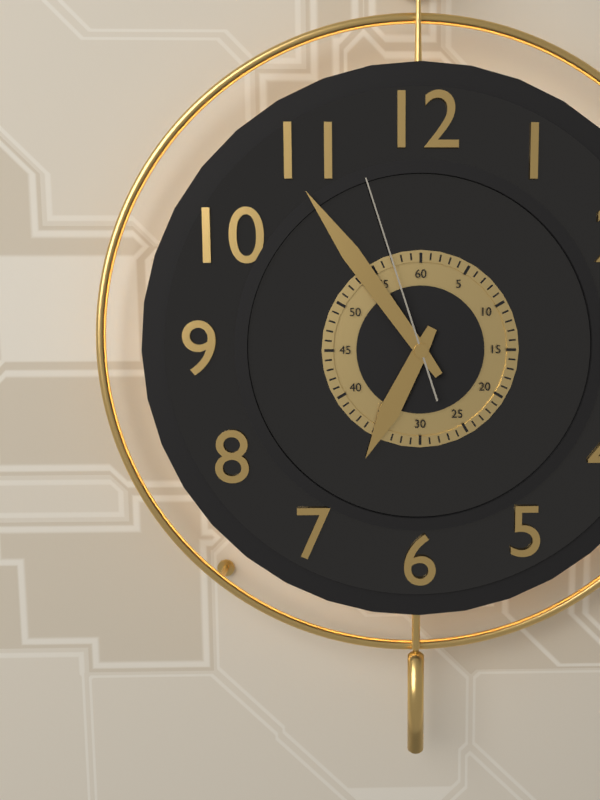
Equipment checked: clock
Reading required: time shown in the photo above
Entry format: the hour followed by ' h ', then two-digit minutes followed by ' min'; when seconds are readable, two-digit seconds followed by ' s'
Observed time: 6 h 54 min 57 s
